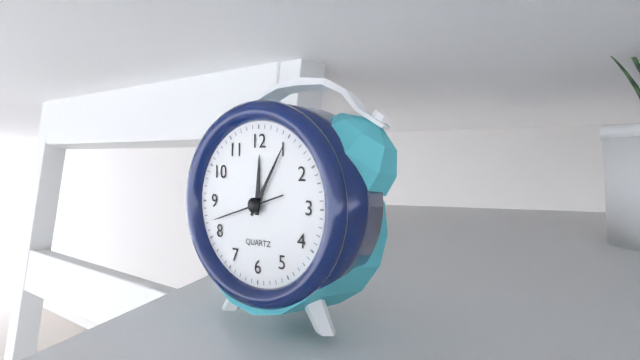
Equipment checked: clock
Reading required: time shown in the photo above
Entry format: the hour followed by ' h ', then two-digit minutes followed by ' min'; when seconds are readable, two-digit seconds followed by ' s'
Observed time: 12 h 05 min 42 s
